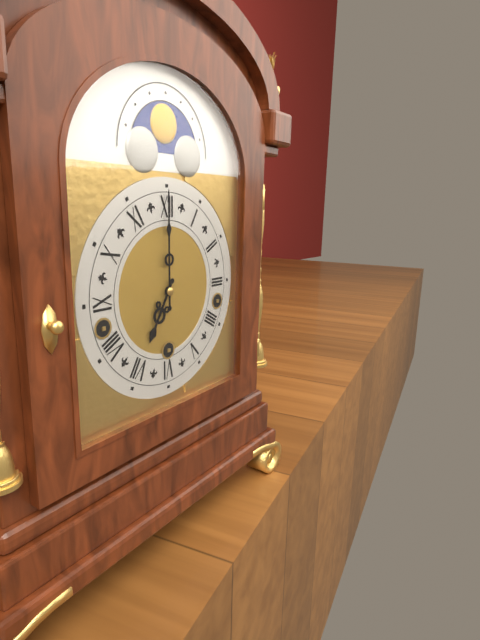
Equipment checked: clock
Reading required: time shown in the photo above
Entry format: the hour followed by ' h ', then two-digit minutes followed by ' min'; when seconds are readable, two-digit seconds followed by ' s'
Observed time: 7 h 00 min
